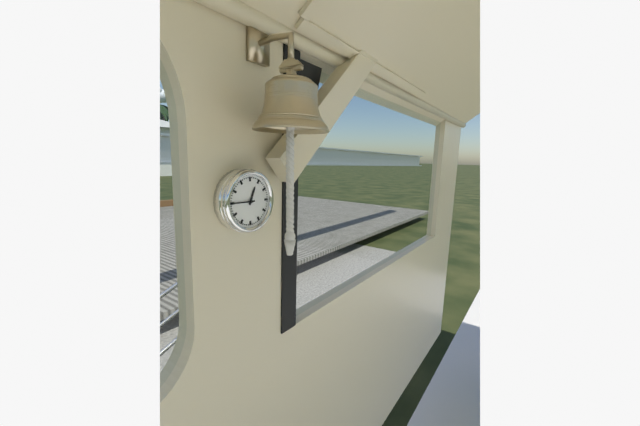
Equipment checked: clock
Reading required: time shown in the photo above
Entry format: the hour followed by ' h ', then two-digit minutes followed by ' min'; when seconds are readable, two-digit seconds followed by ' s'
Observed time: 12 h 45 min
